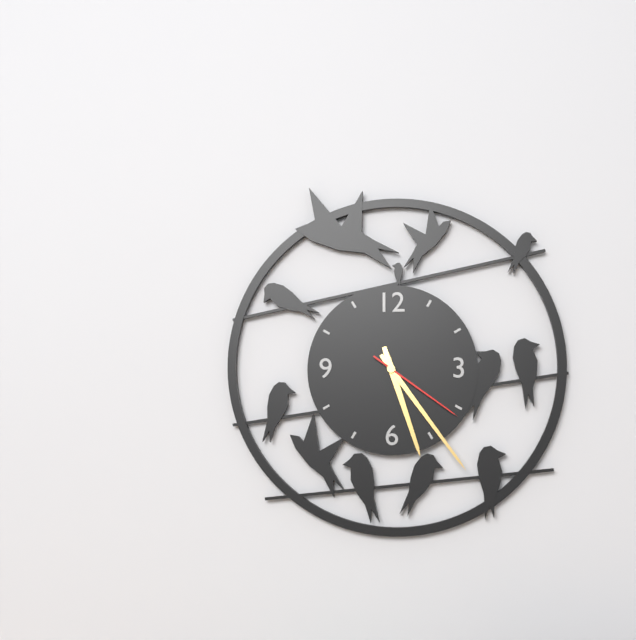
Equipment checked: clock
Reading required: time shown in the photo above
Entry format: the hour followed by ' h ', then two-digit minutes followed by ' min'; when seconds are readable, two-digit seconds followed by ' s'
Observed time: 5 h 24 min 21 s
